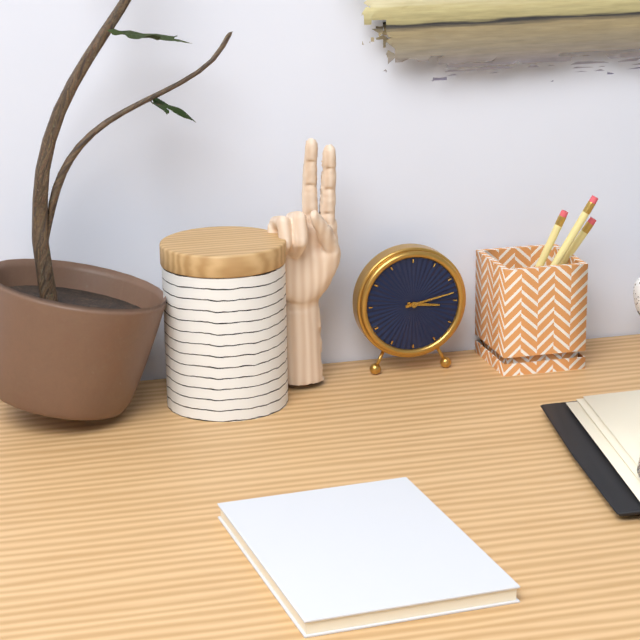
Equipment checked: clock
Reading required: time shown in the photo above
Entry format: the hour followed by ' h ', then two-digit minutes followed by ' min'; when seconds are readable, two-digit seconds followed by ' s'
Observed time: 3 h 13 min
